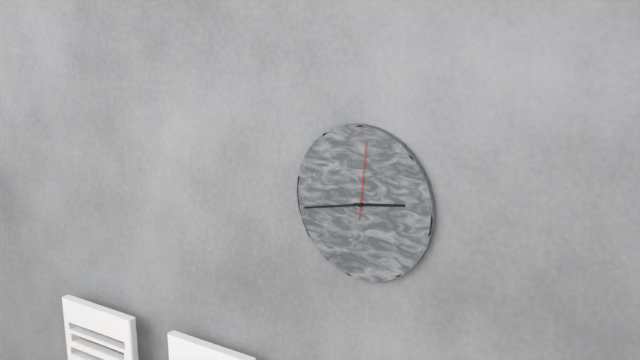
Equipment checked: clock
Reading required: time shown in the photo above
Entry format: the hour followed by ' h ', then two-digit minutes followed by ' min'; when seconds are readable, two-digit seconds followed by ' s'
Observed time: 2 h 43 min 01 s
